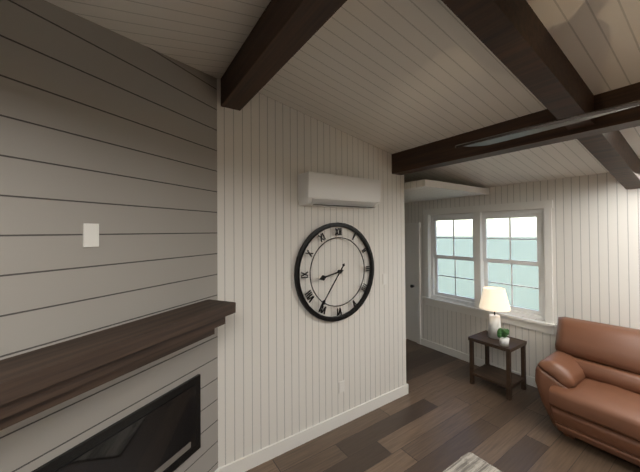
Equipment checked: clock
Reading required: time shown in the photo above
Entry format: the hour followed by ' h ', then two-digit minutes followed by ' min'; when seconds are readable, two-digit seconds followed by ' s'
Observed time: 8 h 36 min
